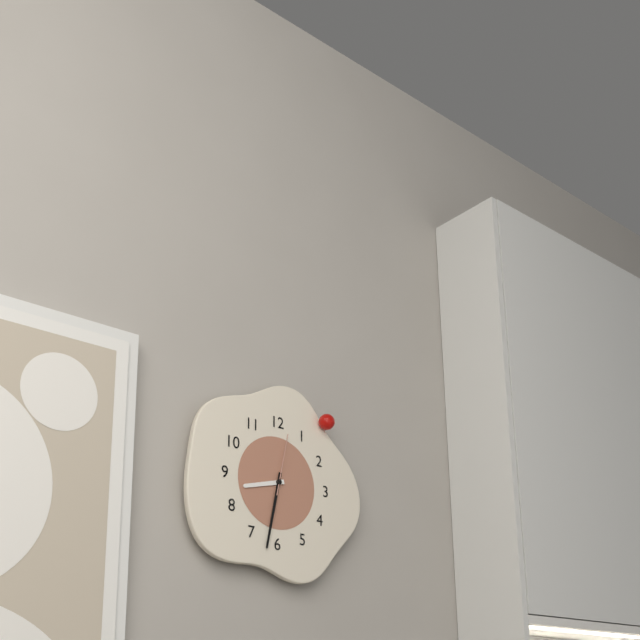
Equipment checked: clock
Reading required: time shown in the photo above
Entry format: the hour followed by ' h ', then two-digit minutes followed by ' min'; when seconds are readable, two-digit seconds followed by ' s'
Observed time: 8 h 32 min 02 s
